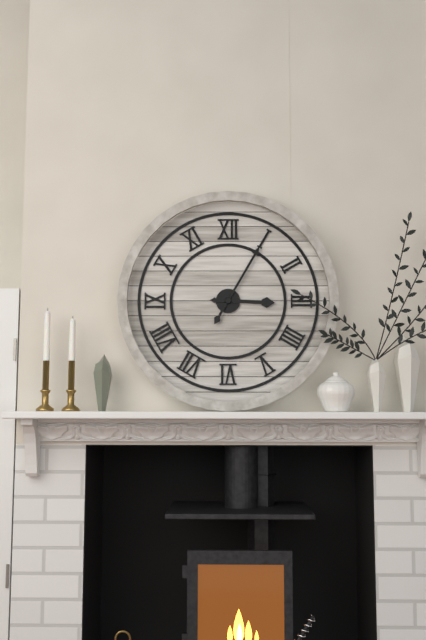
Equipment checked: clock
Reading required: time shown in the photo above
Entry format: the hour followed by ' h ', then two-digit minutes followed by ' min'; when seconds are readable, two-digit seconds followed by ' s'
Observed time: 3 h 05 min
